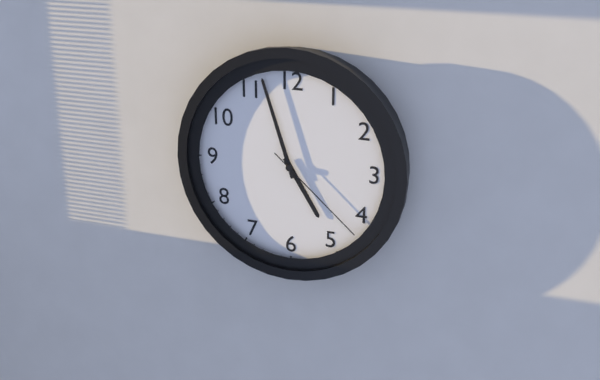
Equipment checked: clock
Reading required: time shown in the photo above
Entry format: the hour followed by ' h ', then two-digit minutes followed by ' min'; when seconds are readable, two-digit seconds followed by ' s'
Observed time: 4 h 57 min 22 s
